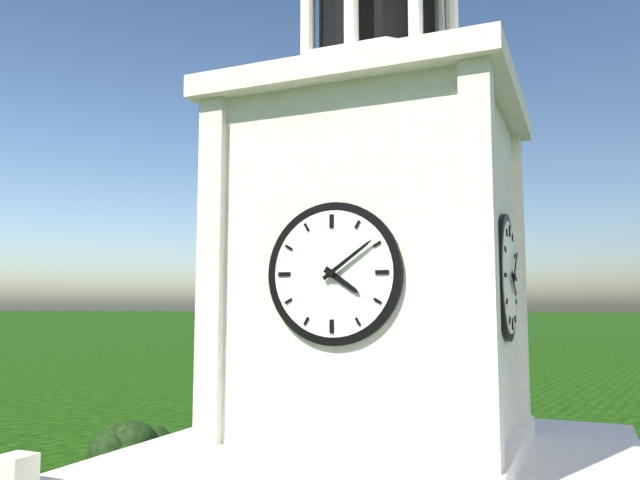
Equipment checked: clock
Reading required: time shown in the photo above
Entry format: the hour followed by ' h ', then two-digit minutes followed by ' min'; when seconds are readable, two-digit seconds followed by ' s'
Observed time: 4 h 09 min
